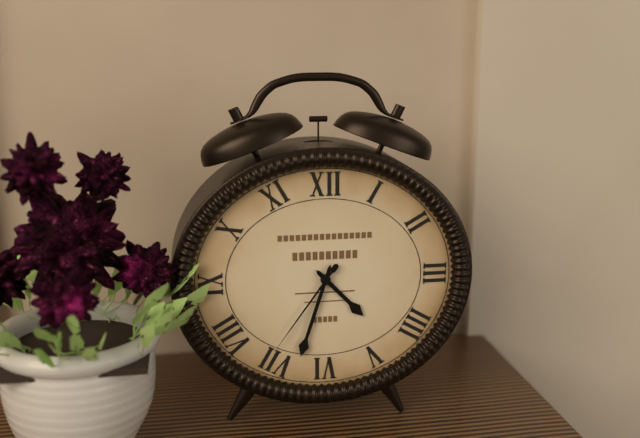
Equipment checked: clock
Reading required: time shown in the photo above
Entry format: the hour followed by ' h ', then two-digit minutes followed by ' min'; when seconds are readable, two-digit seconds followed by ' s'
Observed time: 4 h 33 min 36 s
